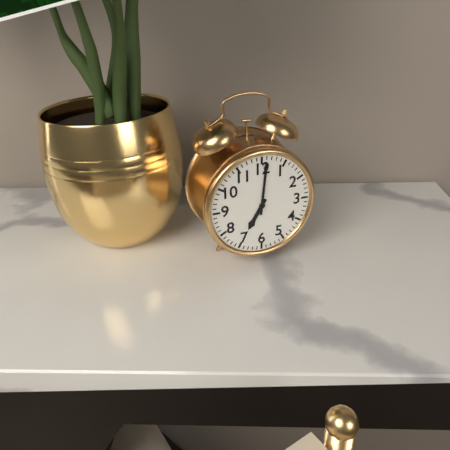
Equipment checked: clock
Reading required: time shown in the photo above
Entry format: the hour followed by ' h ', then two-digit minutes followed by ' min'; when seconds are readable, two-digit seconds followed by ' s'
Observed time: 7 h 01 min
